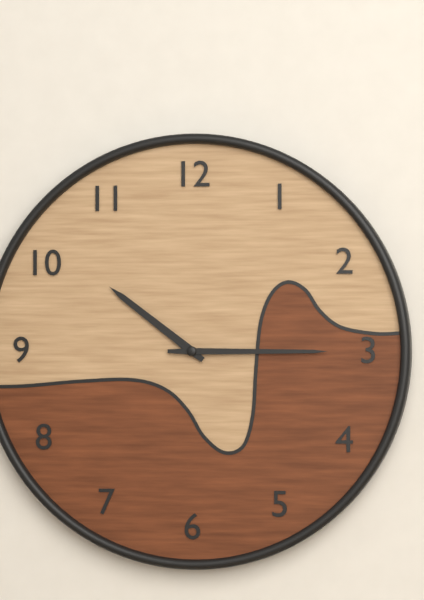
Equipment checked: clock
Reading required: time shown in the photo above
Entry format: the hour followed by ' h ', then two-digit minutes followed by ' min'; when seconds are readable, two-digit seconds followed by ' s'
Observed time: 10 h 15 min
